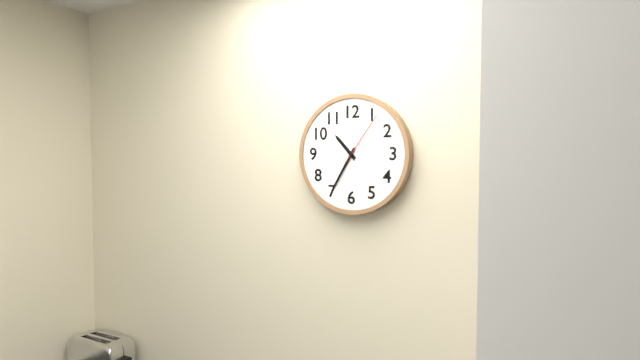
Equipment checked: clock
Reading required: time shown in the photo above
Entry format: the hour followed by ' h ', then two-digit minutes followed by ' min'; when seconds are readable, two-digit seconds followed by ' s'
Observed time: 10 h 35 min 06 s
